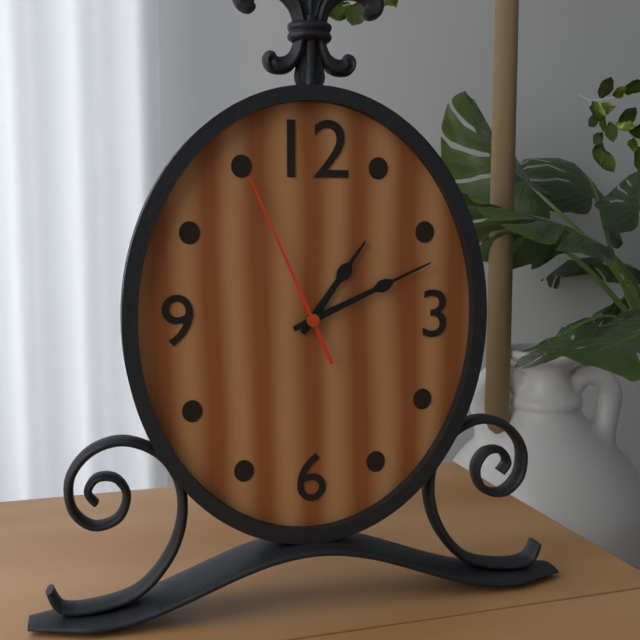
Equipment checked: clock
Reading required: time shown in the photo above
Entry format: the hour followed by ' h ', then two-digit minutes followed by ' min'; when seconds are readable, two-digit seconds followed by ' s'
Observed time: 1 h 11 min 56 s
